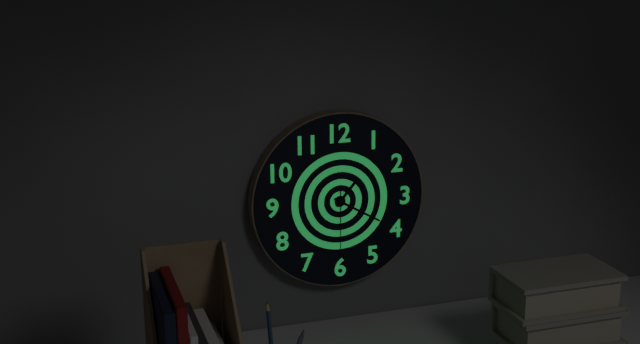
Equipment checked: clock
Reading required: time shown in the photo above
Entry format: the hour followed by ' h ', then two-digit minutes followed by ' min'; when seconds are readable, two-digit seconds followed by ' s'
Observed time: 1 h 20 min 30 s
